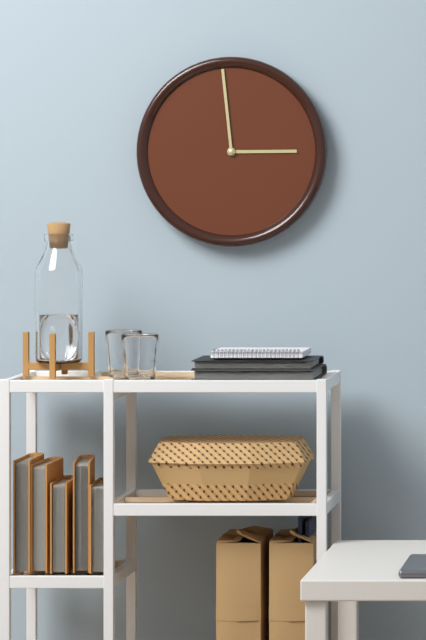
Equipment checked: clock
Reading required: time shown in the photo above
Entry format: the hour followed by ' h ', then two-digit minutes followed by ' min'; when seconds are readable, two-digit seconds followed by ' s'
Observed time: 2 h 59 min
